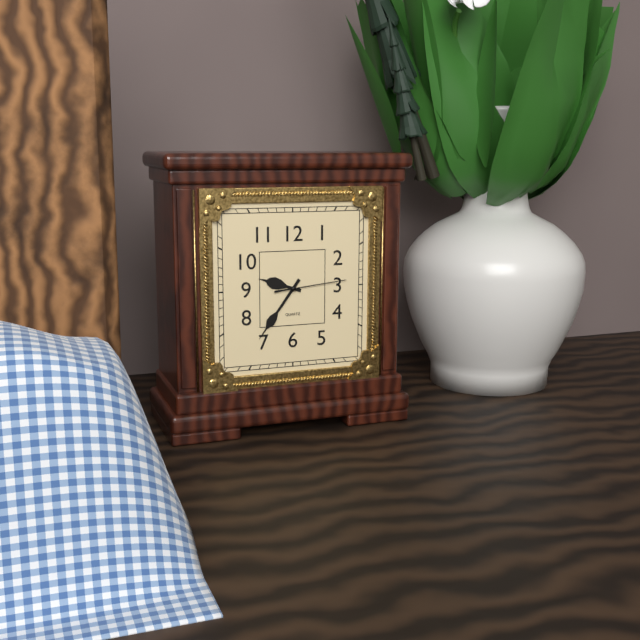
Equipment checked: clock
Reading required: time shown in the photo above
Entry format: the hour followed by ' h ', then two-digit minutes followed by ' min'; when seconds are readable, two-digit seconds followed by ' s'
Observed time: 9 h 36 min 14 s
